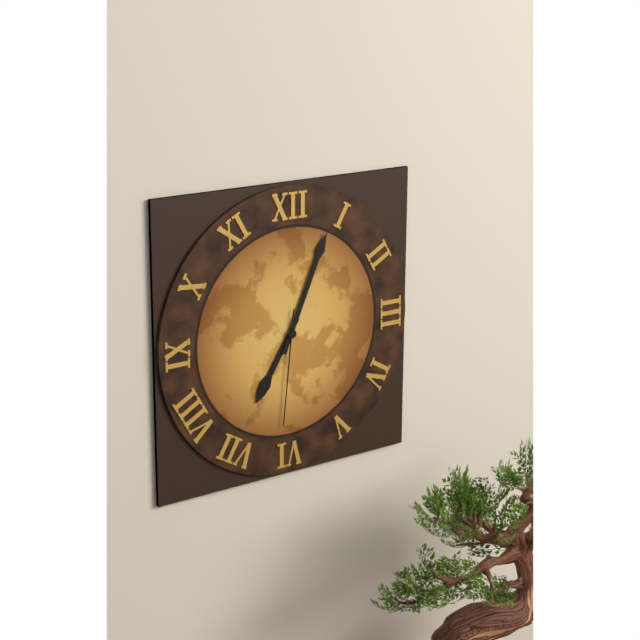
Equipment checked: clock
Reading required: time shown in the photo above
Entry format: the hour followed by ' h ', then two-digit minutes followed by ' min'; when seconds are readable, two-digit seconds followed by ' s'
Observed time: 7 h 04 min 31 s
